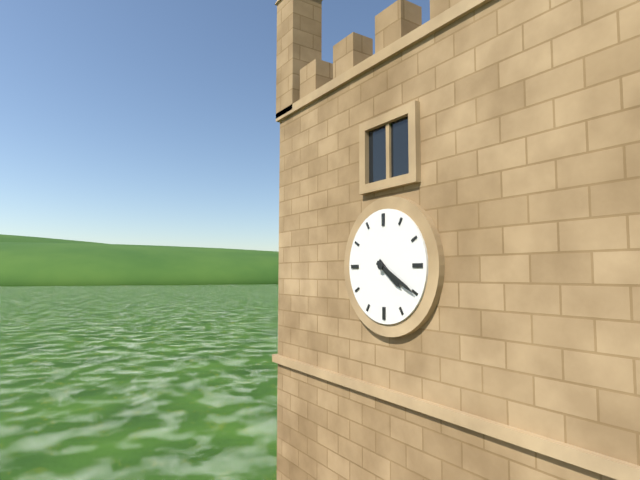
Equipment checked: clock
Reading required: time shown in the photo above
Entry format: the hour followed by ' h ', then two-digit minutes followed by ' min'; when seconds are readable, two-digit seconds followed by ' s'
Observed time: 4 h 20 min
